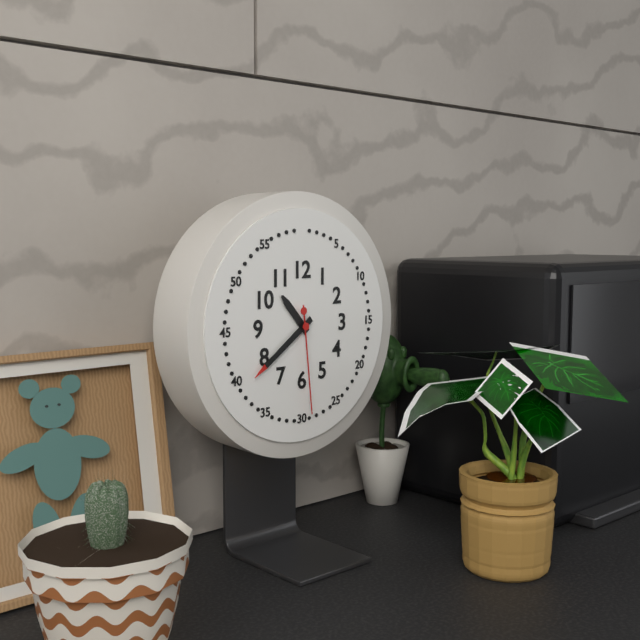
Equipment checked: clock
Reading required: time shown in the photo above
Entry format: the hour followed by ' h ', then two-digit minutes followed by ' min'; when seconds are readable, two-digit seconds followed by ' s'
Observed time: 10 h 39 min 29 s
